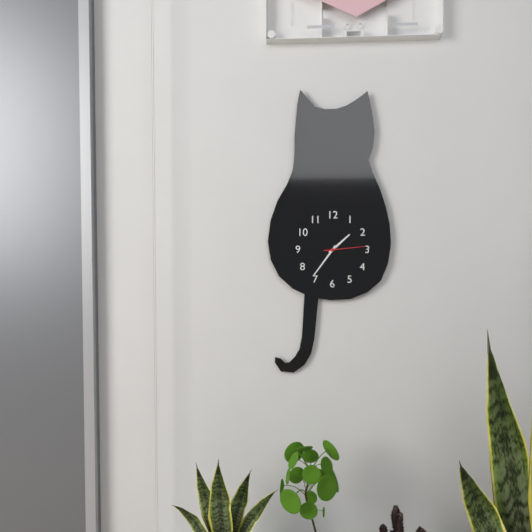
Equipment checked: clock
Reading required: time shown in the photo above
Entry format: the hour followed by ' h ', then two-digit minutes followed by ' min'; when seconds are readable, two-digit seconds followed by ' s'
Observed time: 1 h 36 min
